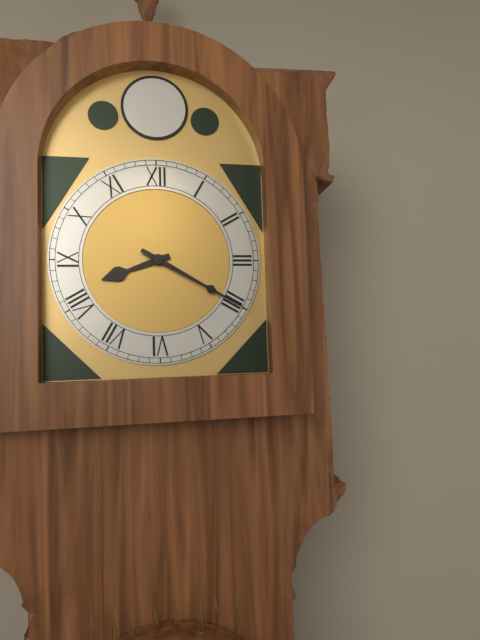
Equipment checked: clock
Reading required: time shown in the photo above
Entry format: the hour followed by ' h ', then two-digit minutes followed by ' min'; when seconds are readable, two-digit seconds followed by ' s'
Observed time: 8 h 20 min
